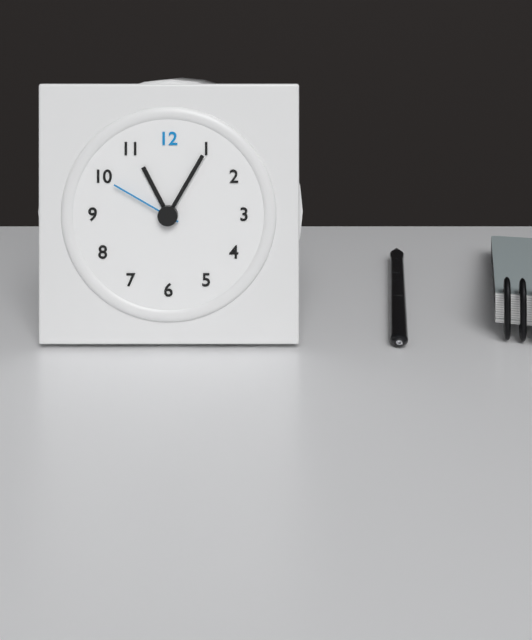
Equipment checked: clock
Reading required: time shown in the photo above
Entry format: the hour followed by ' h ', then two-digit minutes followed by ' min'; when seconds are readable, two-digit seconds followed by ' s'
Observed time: 11 h 05 min 50 s
